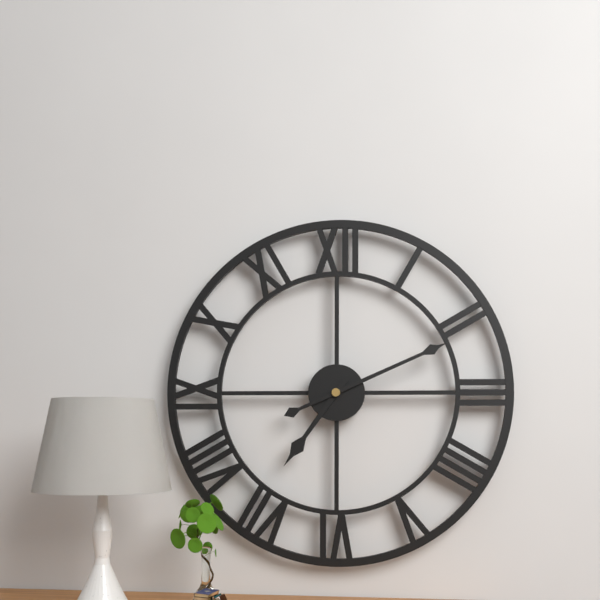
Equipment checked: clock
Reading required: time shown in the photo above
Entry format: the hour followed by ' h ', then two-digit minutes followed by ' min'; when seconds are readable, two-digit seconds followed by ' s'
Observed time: 7 h 11 min
